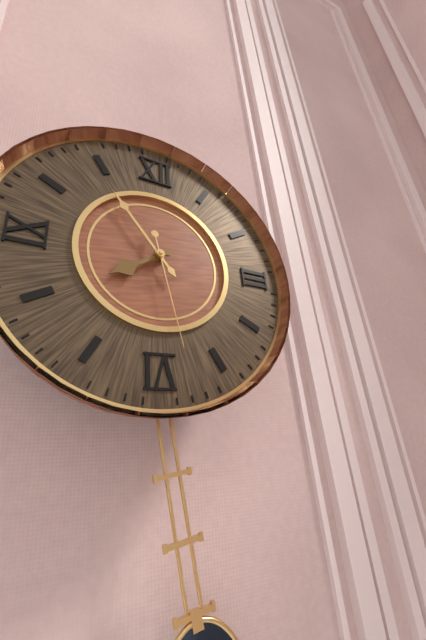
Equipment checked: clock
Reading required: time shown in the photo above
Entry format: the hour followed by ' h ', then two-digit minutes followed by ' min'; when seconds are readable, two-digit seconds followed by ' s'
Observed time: 7 h 54 min 28 s
